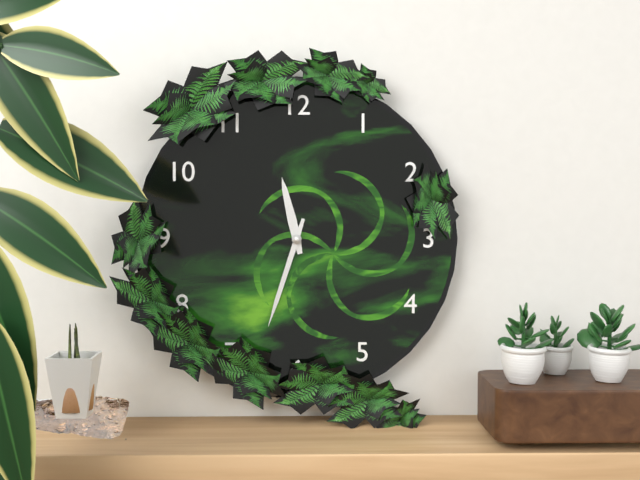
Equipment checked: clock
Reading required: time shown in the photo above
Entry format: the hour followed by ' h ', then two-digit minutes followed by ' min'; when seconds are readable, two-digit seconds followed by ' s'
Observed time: 11 h 33 min
